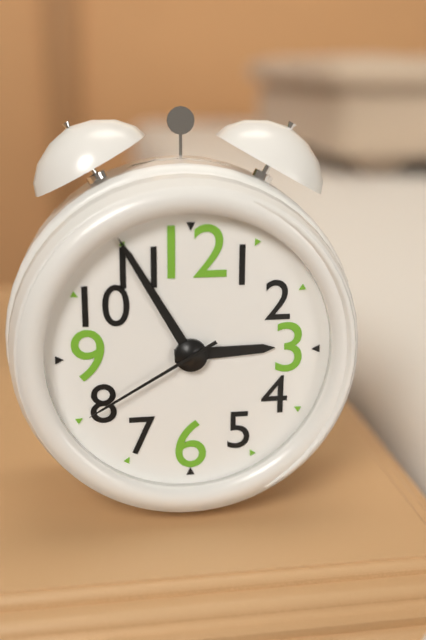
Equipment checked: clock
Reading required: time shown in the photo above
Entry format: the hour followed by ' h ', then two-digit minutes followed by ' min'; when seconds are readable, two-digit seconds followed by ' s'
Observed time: 2 h 55 min 40 s
